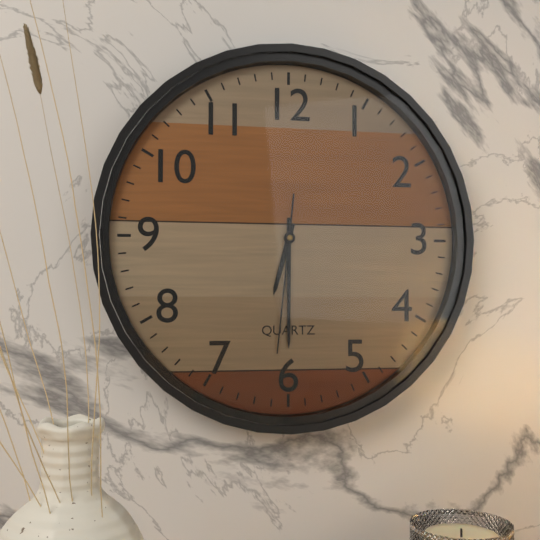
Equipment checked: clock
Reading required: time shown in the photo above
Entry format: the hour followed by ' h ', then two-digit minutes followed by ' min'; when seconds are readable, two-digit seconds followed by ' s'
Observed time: 6 h 30 min 31 s
